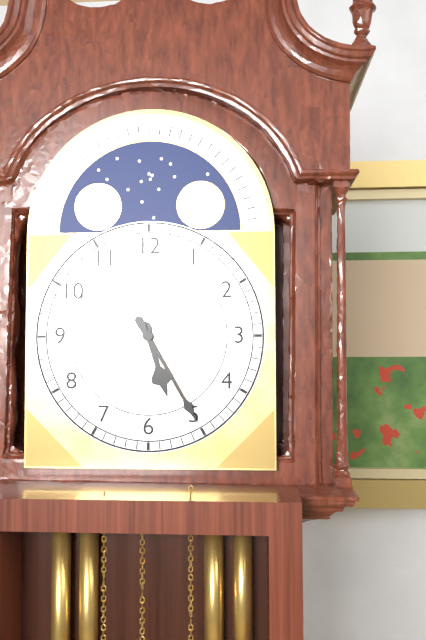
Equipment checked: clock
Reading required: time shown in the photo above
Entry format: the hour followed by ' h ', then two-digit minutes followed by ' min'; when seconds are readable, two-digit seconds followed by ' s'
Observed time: 5 h 25 min
